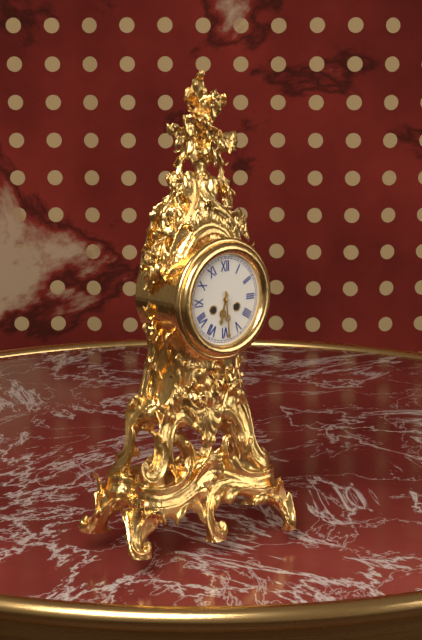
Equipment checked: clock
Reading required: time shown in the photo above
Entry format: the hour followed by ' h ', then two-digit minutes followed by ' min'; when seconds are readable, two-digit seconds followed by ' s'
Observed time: 6 h 29 min
